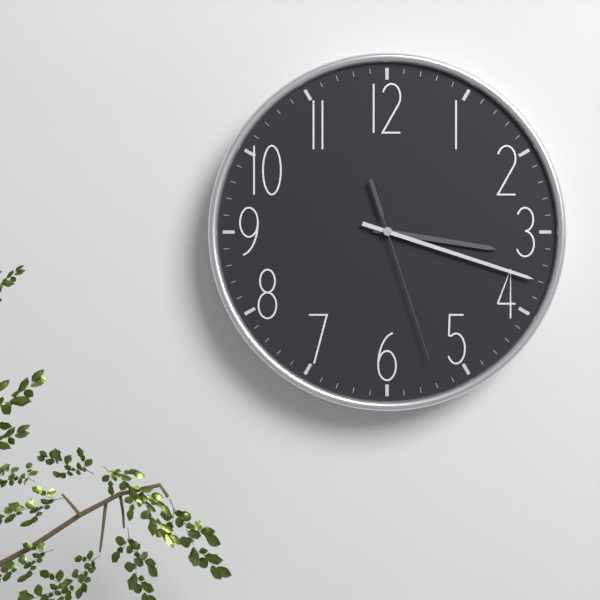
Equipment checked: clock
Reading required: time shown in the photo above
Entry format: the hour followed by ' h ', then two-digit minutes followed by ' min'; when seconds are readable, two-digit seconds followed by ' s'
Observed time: 3 h 18 min 27 s
